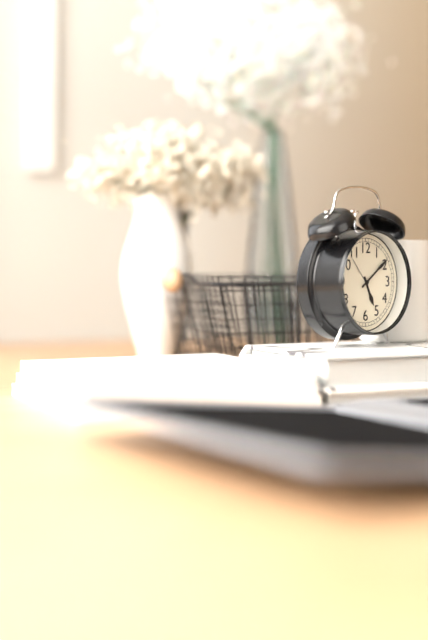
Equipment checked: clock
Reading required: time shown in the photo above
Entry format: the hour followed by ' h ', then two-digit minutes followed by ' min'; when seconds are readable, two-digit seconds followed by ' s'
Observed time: 5 h 09 min
